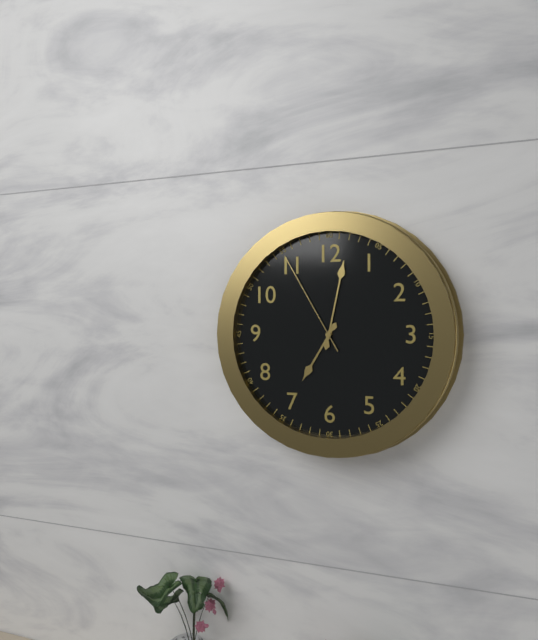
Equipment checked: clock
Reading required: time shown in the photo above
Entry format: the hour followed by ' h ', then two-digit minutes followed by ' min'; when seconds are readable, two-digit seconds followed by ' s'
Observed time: 7 h 02 min 55 s
